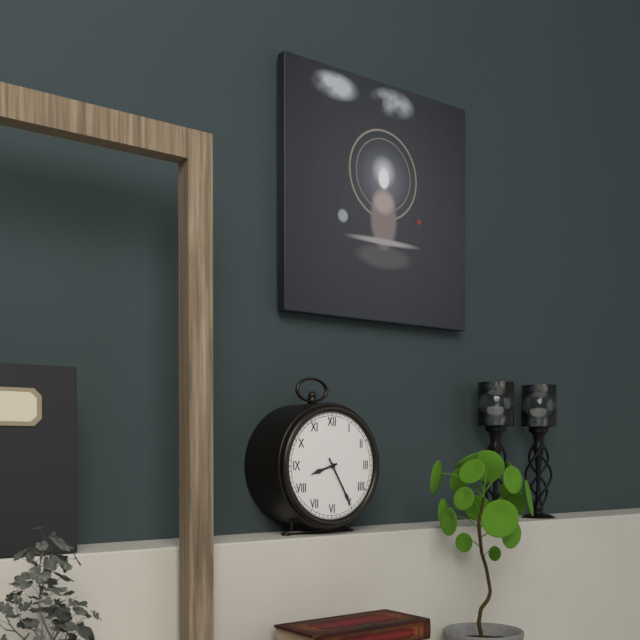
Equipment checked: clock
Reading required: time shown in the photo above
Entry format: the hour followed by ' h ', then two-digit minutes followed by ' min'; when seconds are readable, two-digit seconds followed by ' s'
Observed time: 8 h 25 min
